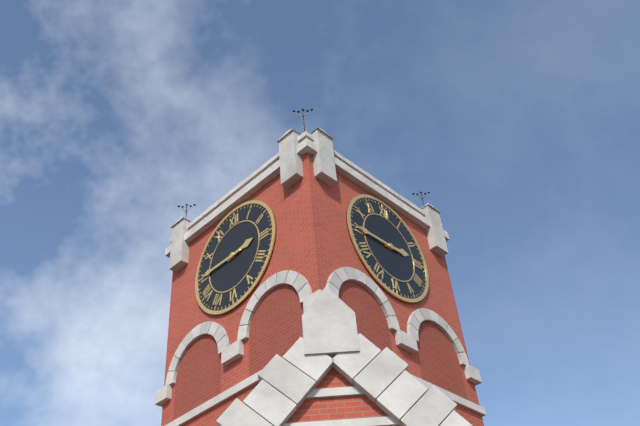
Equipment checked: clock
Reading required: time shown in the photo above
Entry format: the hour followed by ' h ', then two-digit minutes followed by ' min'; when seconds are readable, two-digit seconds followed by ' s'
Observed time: 2 h 45 min
